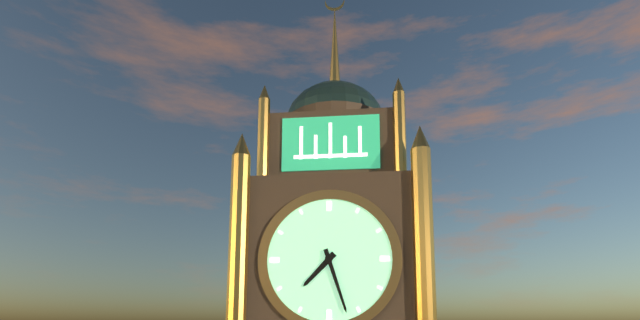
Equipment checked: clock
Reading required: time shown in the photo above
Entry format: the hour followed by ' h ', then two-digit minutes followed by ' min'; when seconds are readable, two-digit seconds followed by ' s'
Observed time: 7 h 27 min
